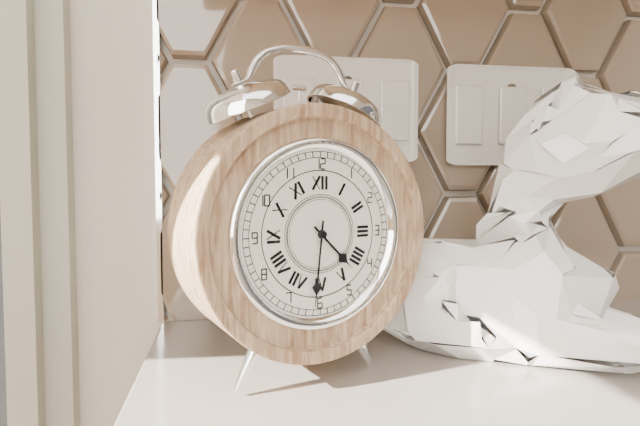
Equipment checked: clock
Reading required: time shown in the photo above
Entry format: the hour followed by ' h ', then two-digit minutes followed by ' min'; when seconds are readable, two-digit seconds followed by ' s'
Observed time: 4 h 31 min
